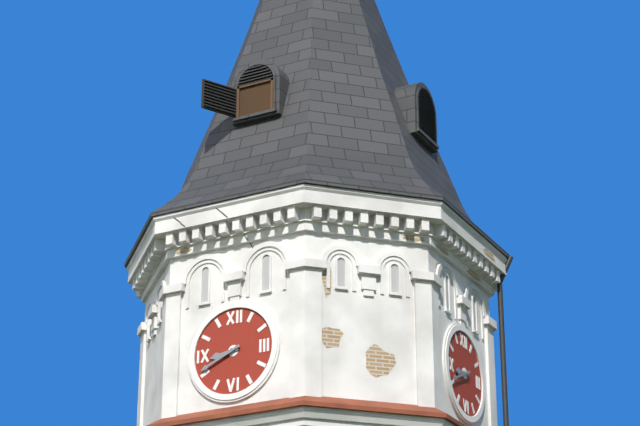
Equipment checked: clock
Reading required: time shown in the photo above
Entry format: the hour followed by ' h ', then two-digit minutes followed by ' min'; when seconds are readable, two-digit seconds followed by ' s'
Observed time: 8 h 41 min
